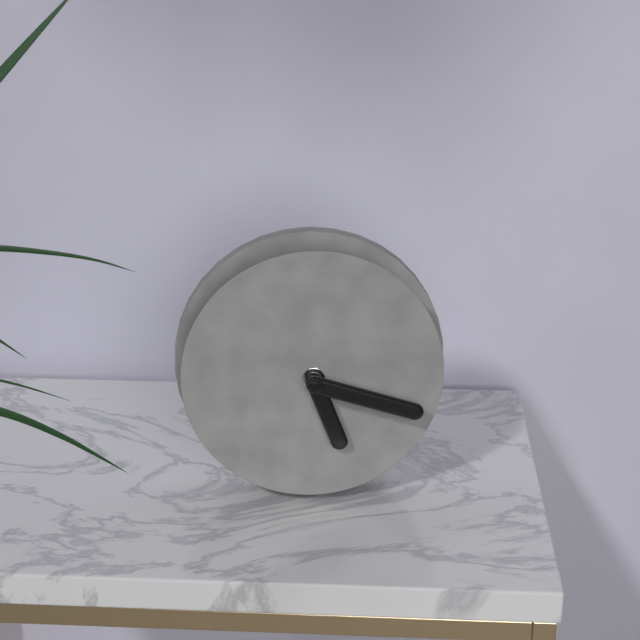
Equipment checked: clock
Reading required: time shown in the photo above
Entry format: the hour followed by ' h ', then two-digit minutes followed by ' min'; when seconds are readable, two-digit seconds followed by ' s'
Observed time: 5 h 18 min
